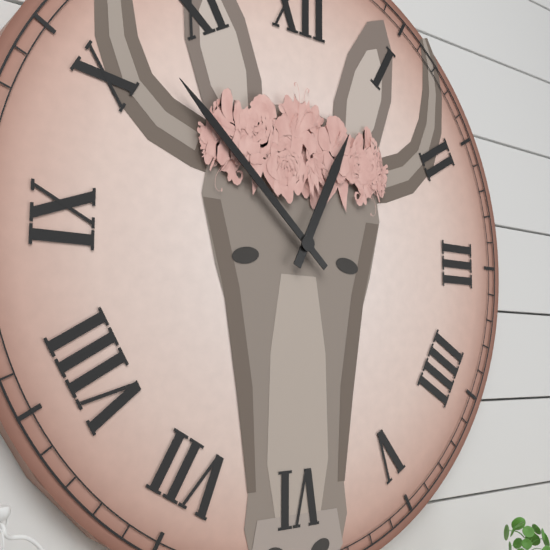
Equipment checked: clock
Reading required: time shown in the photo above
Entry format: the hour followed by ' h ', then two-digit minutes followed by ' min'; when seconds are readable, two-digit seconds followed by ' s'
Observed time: 12 h 52 min
